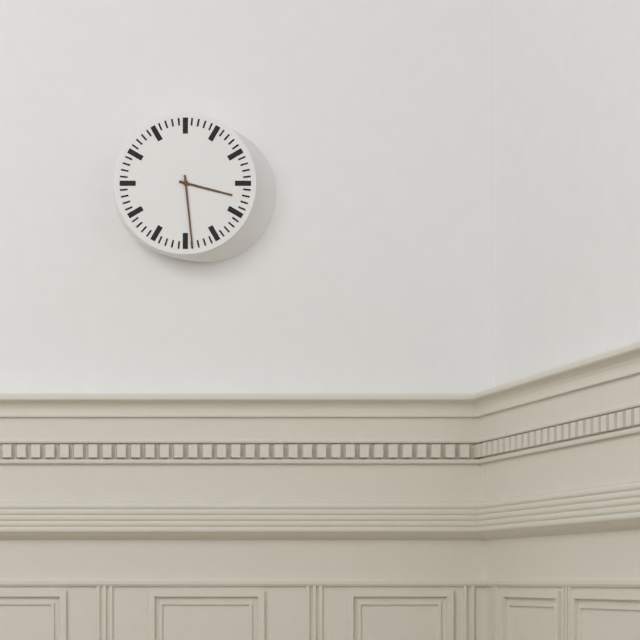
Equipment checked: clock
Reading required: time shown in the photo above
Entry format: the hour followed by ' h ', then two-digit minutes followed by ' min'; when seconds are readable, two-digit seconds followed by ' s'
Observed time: 3 h 29 min
